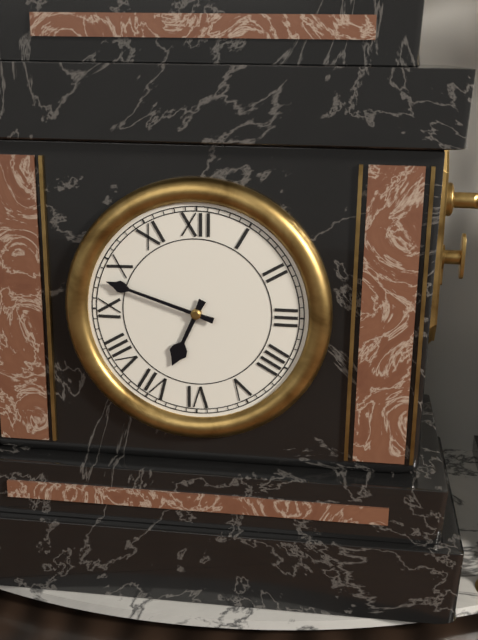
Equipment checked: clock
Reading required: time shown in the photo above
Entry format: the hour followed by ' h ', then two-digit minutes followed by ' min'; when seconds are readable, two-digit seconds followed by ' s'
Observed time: 6 h 48 min
